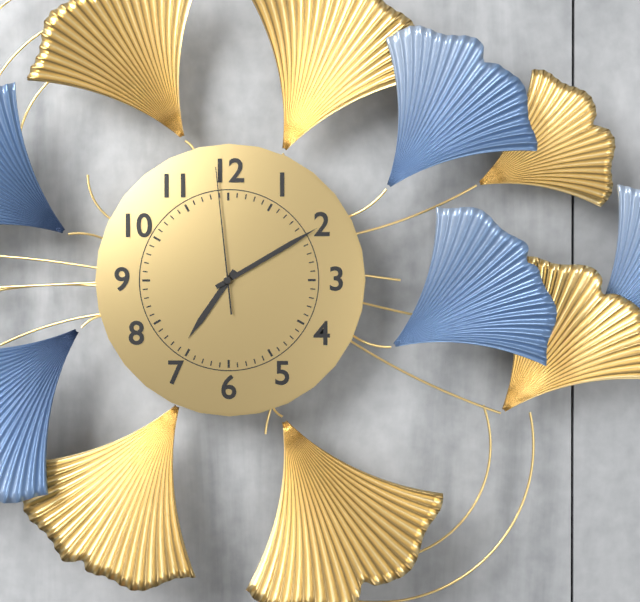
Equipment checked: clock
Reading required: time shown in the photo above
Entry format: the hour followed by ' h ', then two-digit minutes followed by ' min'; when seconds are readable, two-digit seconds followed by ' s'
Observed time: 7 h 10 min 59 s
